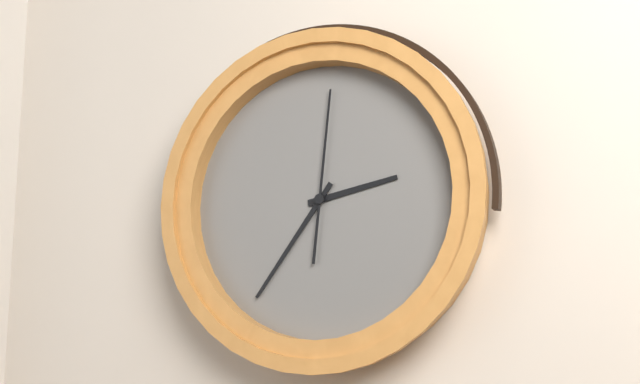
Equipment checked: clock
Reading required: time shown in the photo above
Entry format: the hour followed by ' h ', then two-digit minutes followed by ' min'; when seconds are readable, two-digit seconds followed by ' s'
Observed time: 2 h 36 min 01 s
